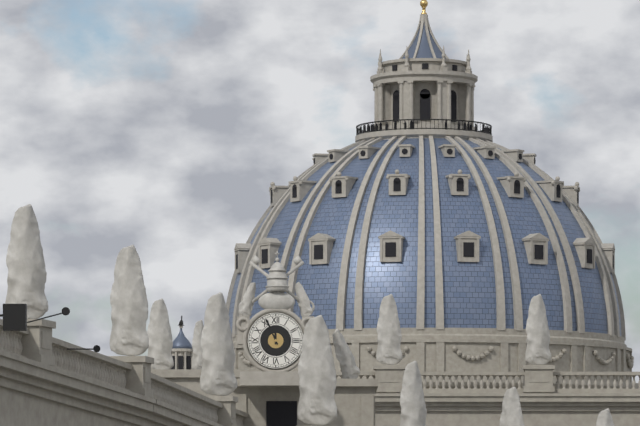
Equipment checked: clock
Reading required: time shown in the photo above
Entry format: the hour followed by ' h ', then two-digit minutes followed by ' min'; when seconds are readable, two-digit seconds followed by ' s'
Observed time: 11 h 56 min
